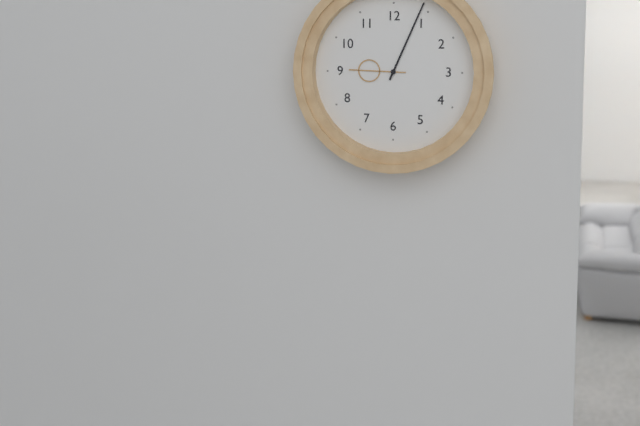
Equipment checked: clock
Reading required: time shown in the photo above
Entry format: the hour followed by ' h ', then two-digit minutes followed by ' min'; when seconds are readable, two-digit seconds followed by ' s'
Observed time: 9 h 04 min
